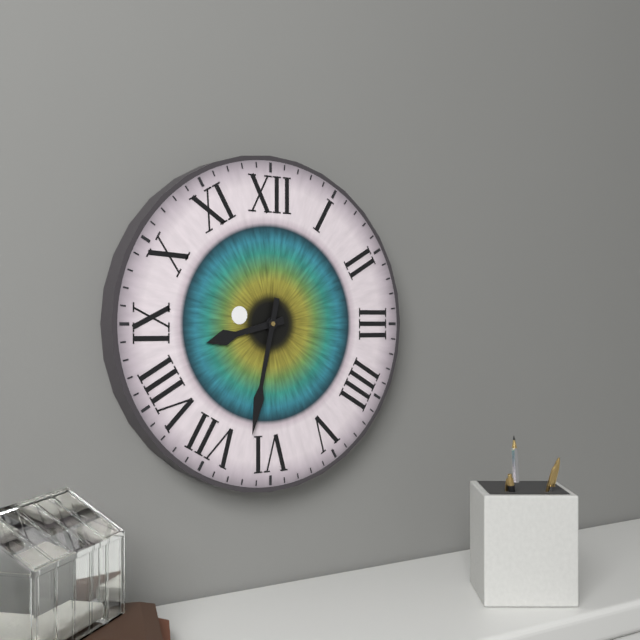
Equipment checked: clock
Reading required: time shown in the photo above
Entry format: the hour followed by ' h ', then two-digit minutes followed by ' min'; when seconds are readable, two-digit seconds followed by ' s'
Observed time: 8 h 32 min
